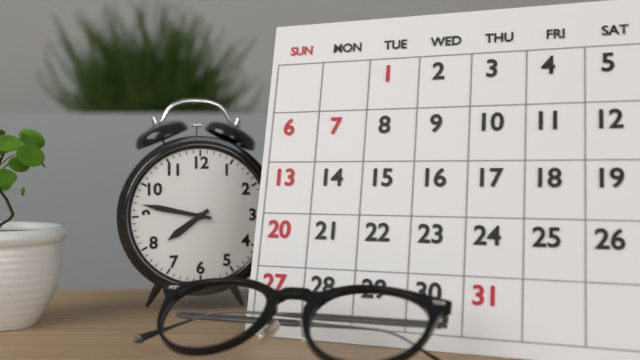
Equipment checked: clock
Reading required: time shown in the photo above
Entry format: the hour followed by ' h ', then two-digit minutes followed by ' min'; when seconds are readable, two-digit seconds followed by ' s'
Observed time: 7 h 47 min
